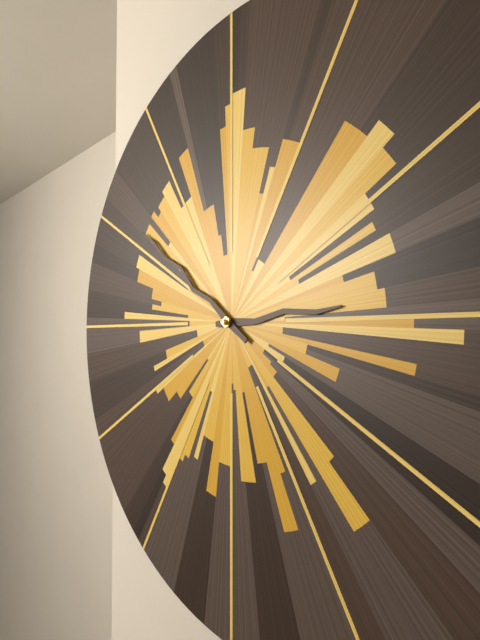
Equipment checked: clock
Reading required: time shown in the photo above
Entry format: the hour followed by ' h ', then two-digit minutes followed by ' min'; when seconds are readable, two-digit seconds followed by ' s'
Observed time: 2 h 51 min
